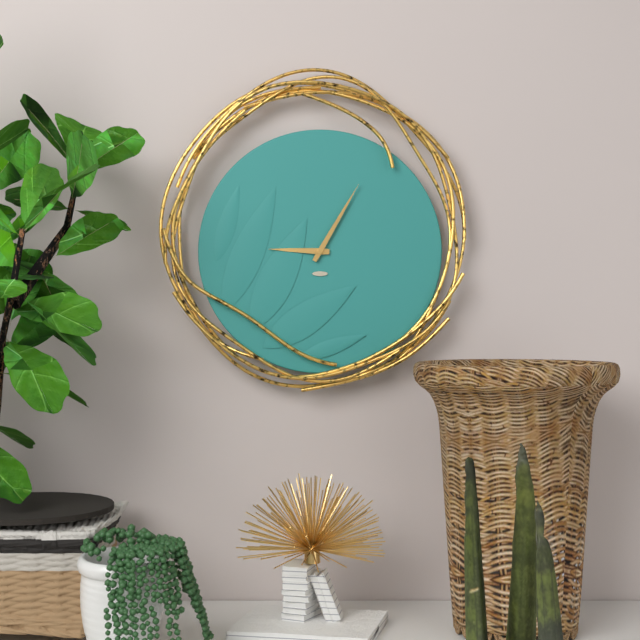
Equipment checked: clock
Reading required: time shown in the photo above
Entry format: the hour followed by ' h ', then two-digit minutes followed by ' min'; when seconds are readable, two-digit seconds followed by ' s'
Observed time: 9 h 05 min
